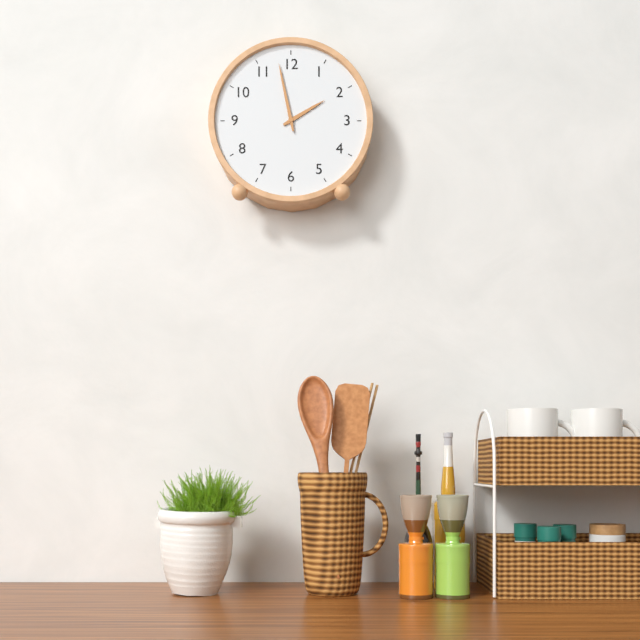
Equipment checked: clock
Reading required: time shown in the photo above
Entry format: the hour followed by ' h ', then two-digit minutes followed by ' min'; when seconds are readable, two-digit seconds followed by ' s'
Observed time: 1 h 58 min
